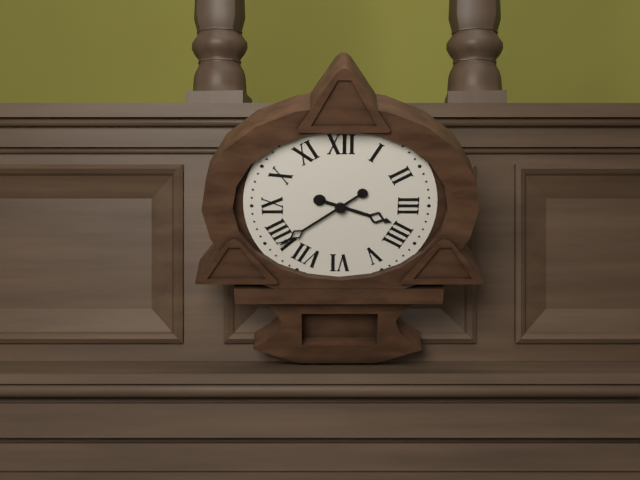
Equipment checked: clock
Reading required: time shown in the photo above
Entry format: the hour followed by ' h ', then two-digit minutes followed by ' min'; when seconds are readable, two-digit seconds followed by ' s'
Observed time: 3 h 39 min
